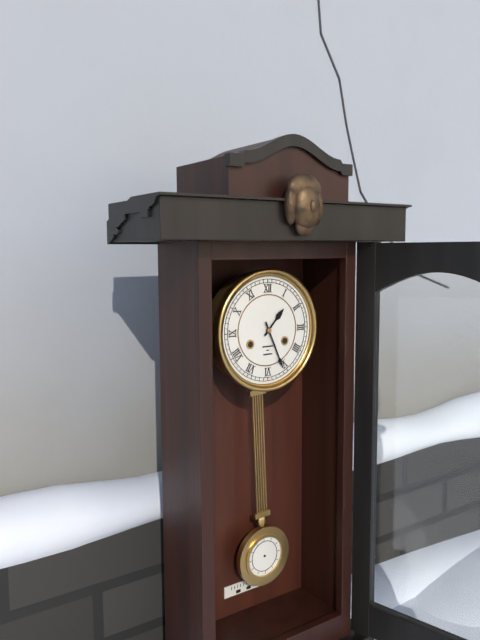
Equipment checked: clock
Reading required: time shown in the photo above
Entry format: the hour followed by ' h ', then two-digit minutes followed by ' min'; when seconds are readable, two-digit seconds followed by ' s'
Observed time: 1 h 26 min
